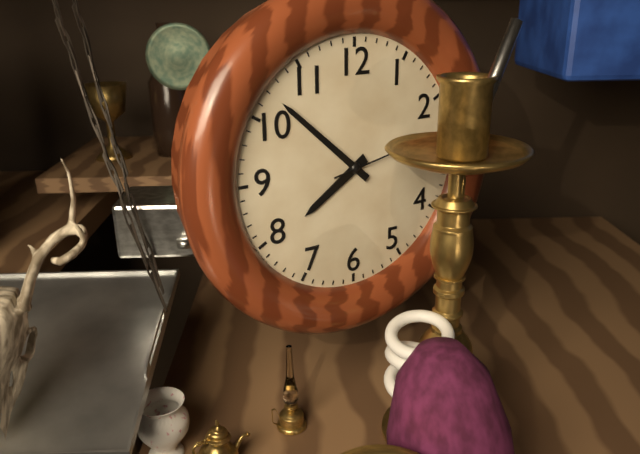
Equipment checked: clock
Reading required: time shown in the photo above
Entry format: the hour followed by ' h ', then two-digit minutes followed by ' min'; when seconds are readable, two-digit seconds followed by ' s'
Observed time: 7 h 52 min
